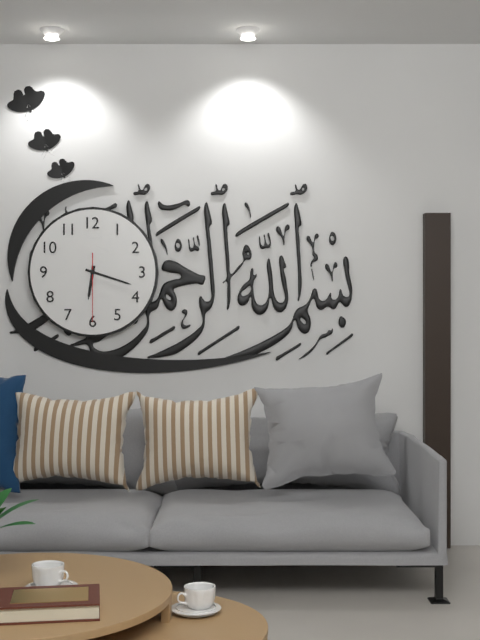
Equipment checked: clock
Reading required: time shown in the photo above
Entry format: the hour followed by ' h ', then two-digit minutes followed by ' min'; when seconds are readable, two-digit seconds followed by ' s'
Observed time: 6 h 18 min 30 s
